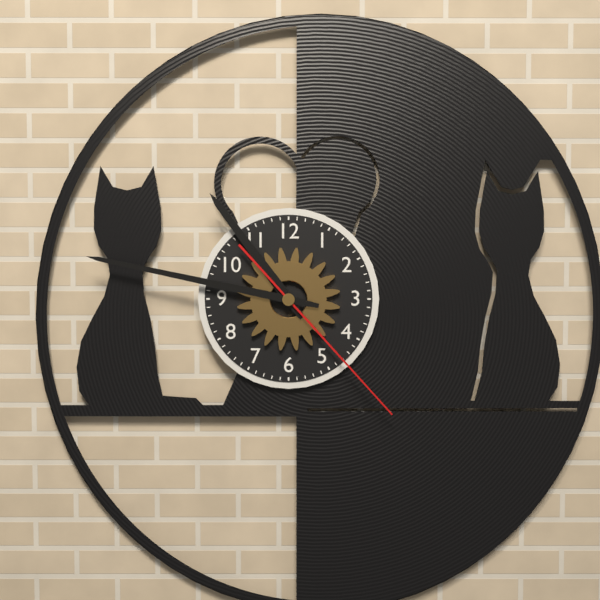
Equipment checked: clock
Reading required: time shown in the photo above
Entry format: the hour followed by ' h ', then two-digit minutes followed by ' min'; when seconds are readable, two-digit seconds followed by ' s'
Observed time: 10 h 47 min 23 s
